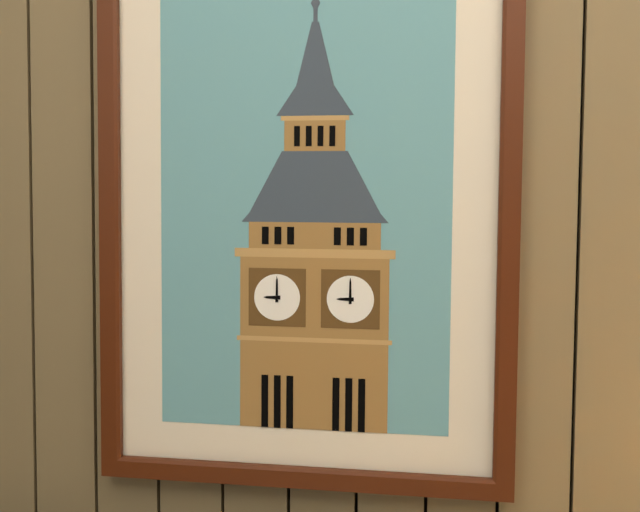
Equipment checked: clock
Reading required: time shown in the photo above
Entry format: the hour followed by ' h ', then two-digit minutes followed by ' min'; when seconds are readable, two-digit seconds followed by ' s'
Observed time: 9 h 00 min
